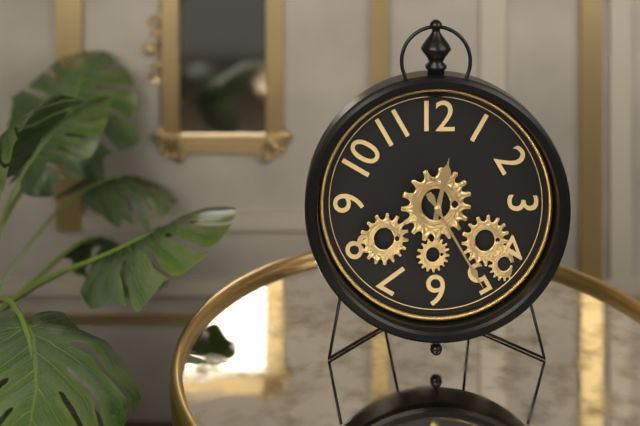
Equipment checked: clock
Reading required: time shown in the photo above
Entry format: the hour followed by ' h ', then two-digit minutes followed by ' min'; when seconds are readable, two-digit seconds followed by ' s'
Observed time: 12 h 25 min
